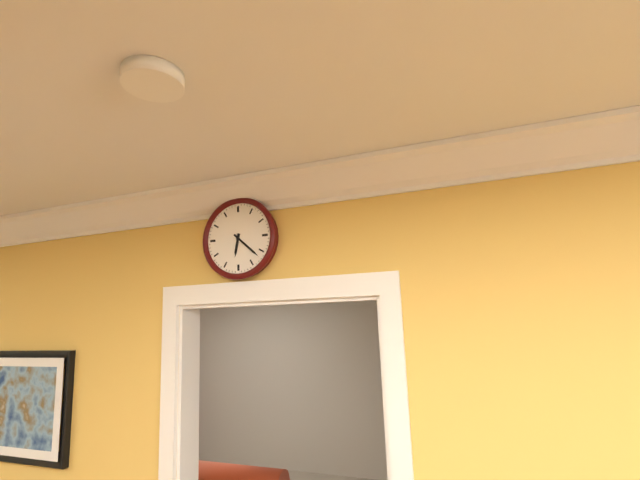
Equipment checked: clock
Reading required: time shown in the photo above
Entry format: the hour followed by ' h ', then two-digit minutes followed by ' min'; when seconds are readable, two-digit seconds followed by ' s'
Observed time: 6 h 22 min
